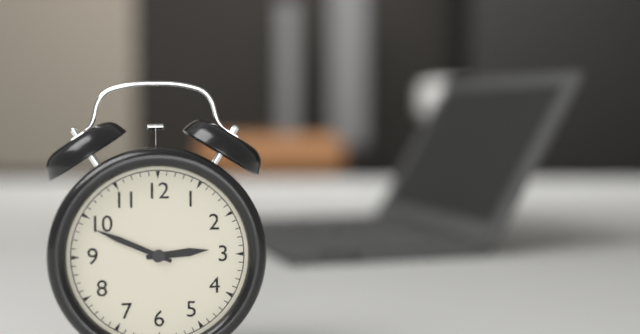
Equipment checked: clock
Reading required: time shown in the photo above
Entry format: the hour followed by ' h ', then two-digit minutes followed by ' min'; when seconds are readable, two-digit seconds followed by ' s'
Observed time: 2 h 49 min
